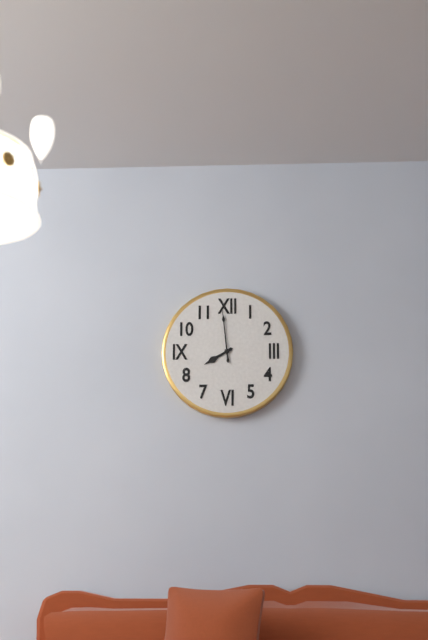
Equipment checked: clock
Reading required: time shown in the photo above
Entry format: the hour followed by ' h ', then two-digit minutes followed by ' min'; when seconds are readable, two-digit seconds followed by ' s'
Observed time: 7 h 59 min
